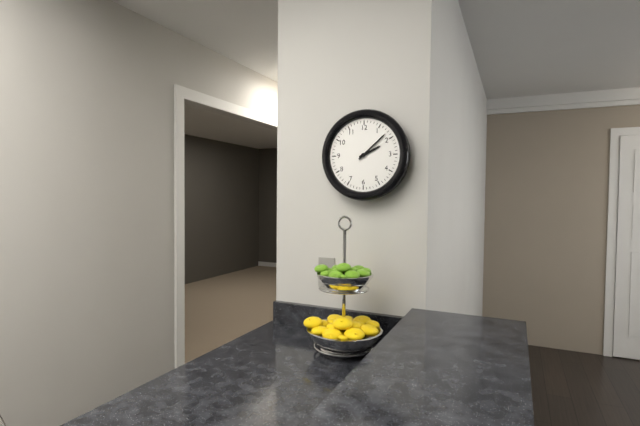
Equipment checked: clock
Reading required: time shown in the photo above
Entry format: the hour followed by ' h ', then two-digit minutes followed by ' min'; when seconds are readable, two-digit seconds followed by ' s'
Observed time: 2 h 08 min
